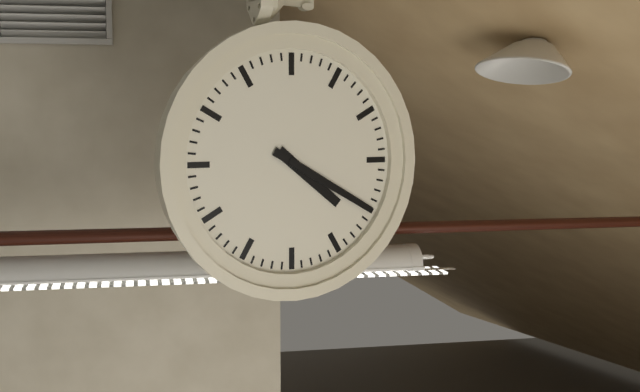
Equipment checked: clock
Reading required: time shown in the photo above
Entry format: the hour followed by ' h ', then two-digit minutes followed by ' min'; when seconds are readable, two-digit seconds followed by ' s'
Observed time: 4 h 20 min
